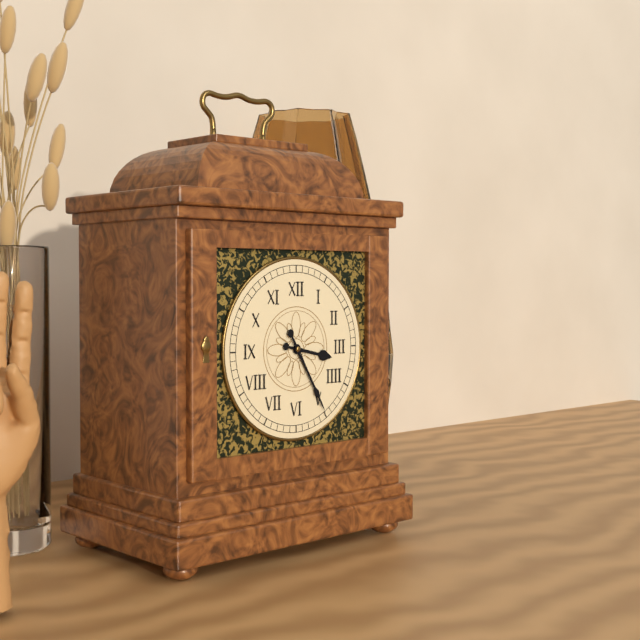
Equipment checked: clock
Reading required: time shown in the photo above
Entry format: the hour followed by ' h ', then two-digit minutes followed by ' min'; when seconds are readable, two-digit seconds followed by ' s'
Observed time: 3 h 25 min
